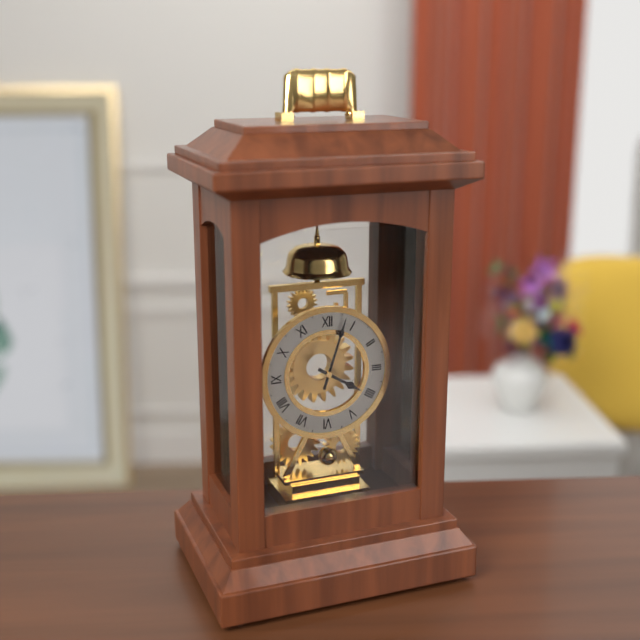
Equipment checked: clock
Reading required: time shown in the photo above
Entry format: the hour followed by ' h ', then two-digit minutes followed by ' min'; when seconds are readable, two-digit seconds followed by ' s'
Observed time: 4 h 03 min
